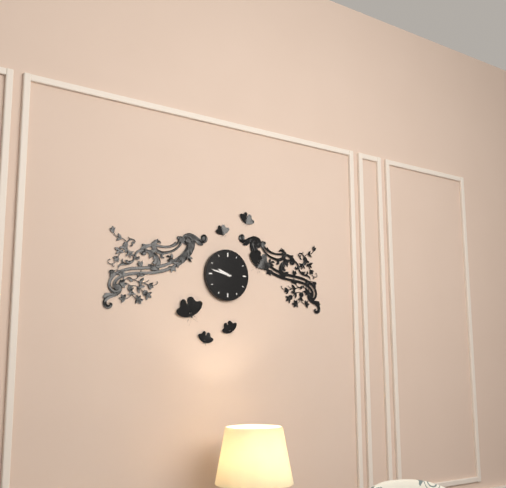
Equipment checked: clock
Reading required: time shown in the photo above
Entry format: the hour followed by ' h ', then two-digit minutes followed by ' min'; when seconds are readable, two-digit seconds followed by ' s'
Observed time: 9 h 47 min
